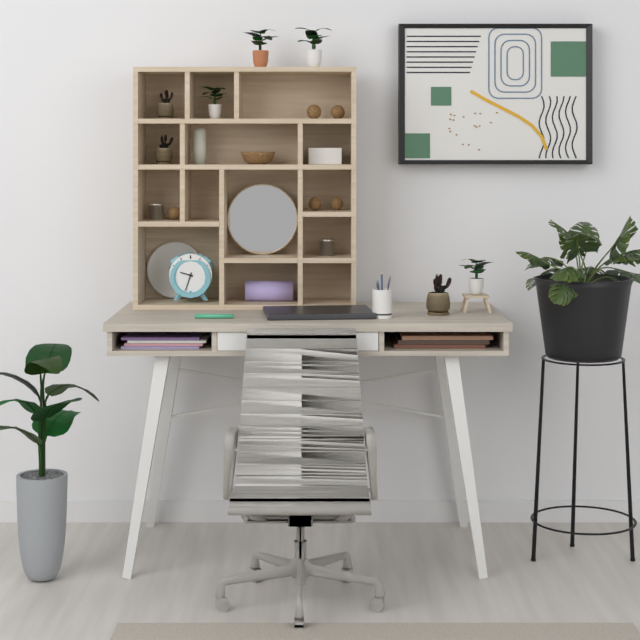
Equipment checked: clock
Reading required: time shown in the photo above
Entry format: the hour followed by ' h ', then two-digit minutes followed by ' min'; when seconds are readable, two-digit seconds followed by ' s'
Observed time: 9 h 33 min
